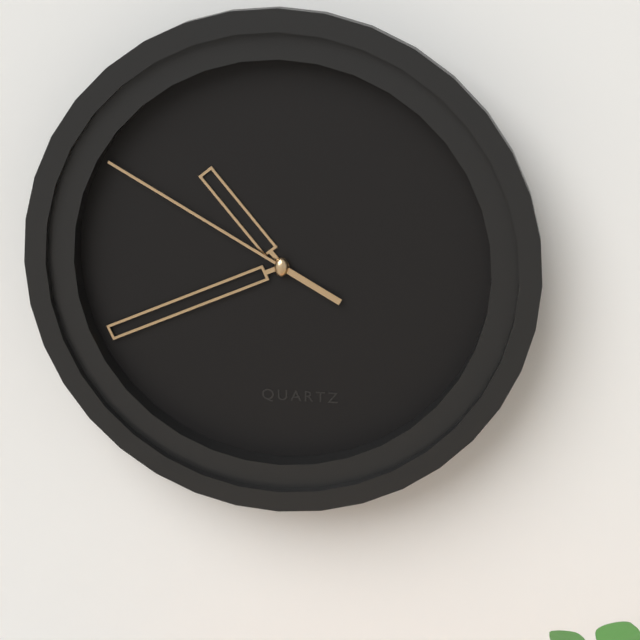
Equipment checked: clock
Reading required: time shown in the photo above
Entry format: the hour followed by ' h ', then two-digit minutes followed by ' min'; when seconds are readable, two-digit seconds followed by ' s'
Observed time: 10 h 41 min 50 s
